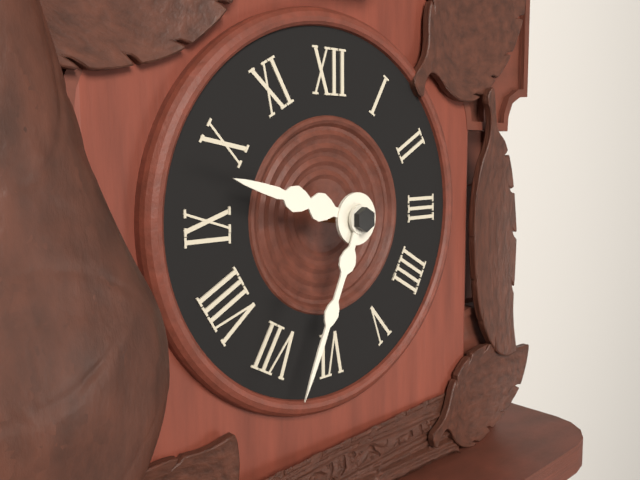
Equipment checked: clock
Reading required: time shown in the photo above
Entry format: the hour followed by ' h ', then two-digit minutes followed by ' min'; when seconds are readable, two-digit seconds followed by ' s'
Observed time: 9 h 34 min
